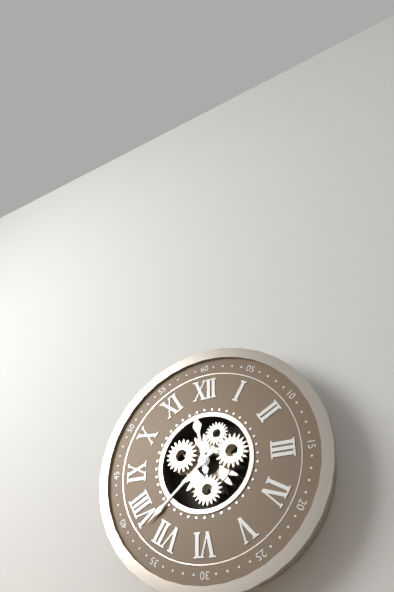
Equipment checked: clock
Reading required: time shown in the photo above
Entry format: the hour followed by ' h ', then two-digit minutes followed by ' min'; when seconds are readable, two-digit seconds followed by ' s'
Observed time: 11 h 38 min
